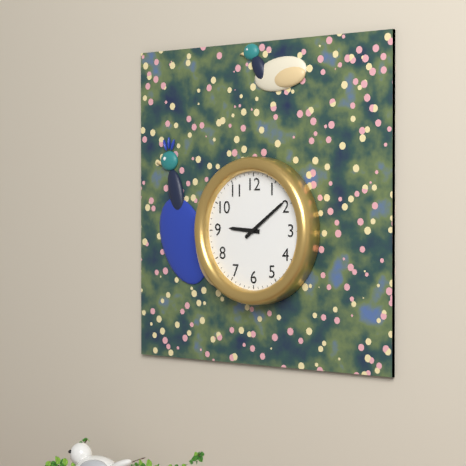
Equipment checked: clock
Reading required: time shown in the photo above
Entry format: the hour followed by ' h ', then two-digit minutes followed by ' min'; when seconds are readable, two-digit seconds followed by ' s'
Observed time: 9 h 09 min
